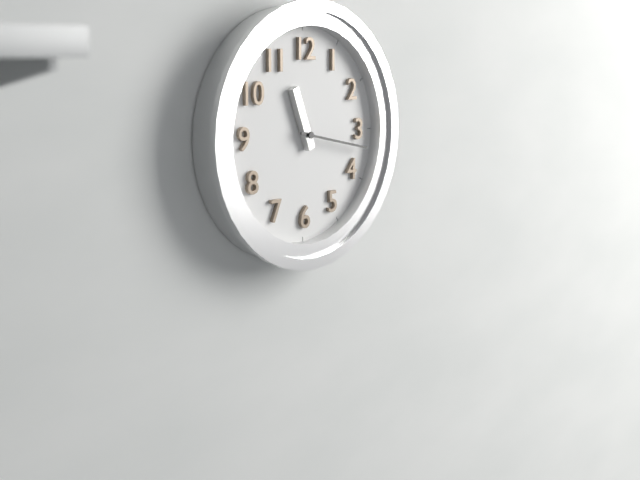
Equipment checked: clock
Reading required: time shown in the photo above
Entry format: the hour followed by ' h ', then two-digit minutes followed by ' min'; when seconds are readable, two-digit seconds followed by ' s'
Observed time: 11 h 17 min
